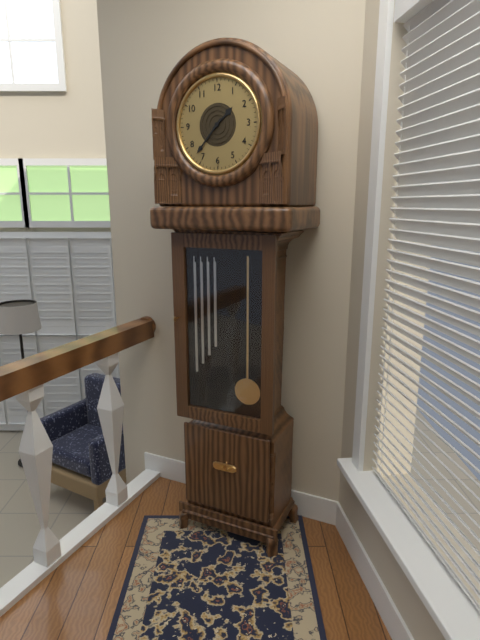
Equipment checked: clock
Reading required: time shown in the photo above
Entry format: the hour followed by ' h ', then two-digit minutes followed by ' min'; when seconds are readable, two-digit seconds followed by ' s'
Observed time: 1 h 37 min
